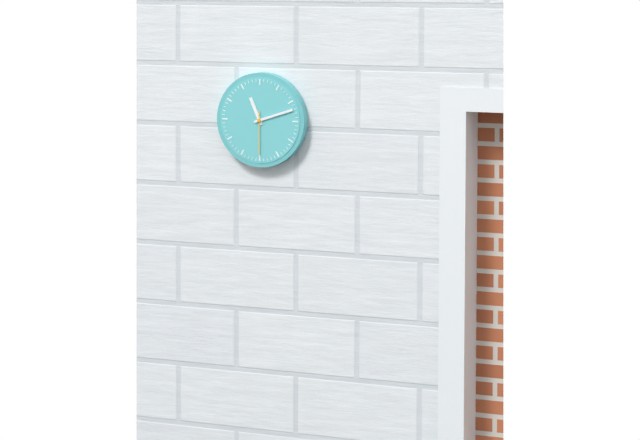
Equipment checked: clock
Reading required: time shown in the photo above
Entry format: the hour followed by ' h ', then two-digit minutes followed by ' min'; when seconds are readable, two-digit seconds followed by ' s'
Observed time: 11 h 12 min
